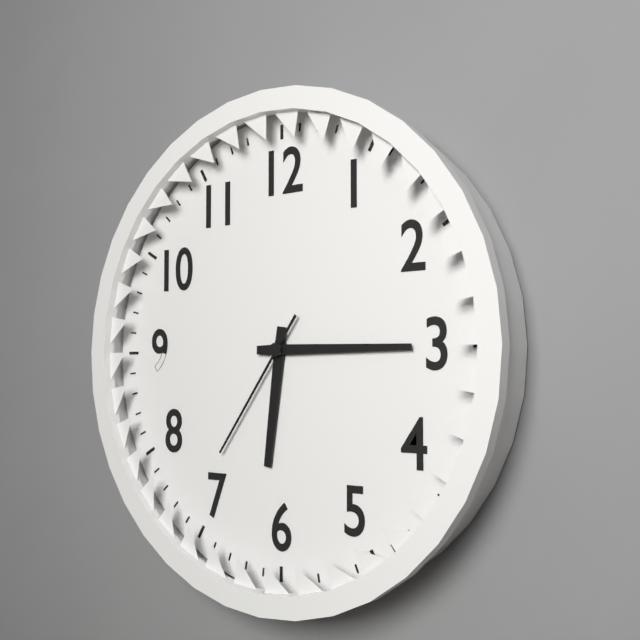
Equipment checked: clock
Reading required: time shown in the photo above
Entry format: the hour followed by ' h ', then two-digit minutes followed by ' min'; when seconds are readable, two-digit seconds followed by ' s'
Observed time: 6 h 15 min 36 s
